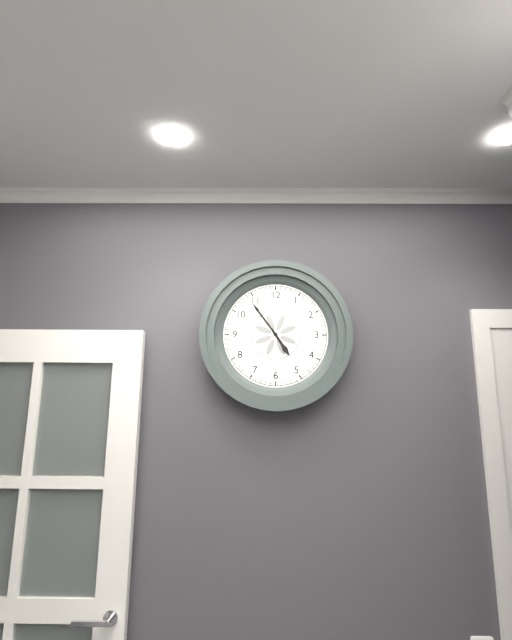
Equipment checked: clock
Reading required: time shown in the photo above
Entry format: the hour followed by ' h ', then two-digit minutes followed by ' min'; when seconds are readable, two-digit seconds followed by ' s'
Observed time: 4 h 54 min
